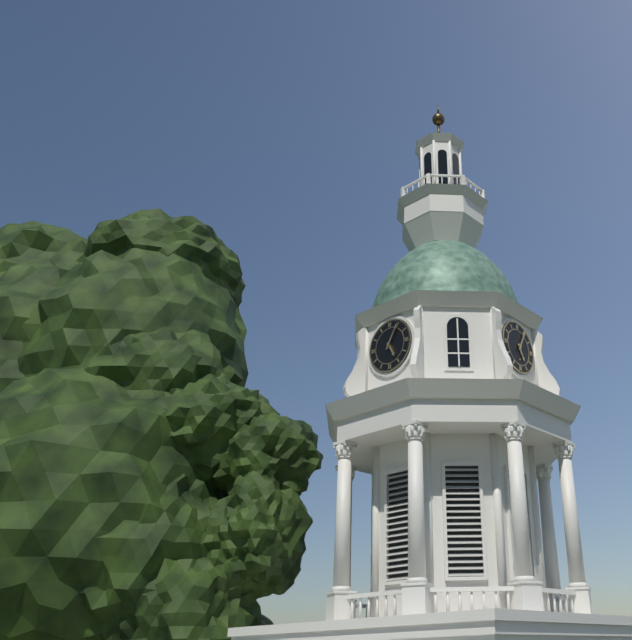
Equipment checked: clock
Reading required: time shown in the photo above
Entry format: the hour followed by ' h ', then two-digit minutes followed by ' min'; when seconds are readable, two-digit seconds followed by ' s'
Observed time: 5 h 05 min
